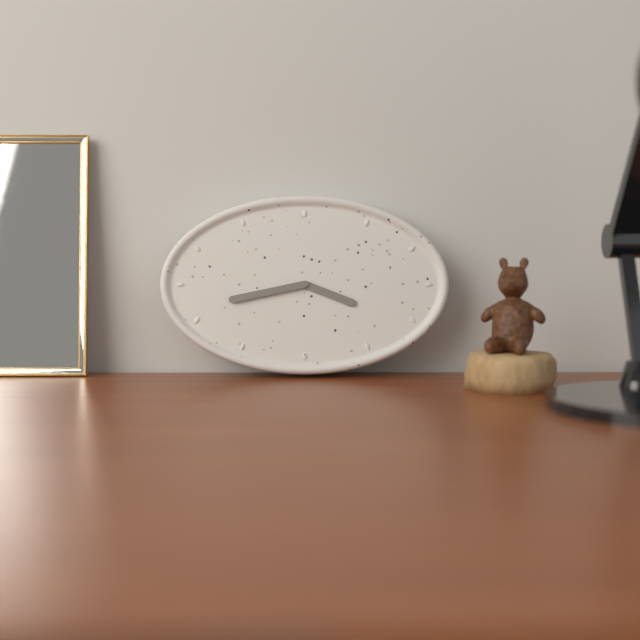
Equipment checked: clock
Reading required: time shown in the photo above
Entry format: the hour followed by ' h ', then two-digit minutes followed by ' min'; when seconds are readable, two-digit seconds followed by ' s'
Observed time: 3 h 43 min
